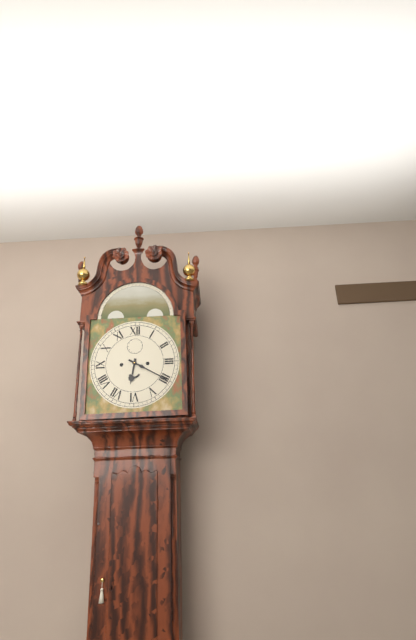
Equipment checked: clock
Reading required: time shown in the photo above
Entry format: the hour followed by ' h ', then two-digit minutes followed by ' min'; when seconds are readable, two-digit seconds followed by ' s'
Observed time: 6 h 20 min
